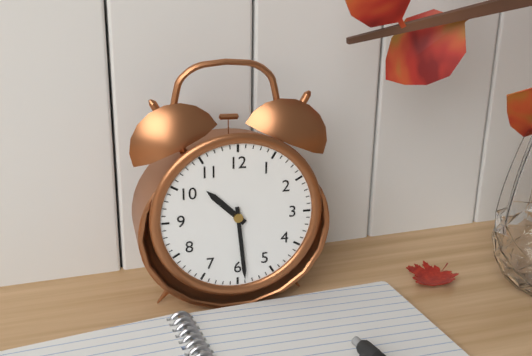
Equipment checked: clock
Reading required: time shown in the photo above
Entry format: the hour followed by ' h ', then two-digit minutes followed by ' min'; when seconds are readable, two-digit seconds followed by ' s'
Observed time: 10 h 29 min
